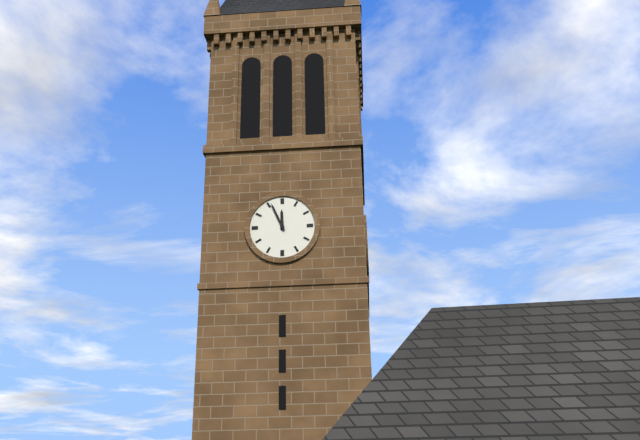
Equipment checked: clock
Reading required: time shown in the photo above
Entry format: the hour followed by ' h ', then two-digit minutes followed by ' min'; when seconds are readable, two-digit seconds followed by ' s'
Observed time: 11 h 56 min
